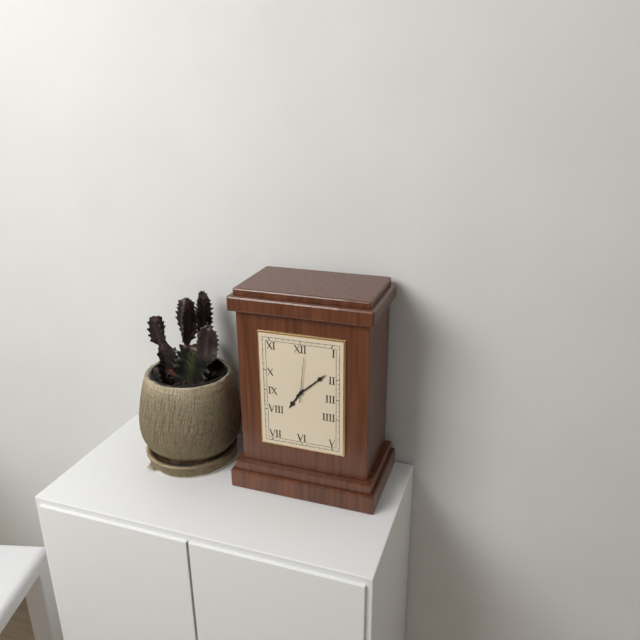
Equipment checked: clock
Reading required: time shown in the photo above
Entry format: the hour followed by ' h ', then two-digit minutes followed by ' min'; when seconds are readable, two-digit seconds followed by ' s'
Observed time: 7 h 08 min
